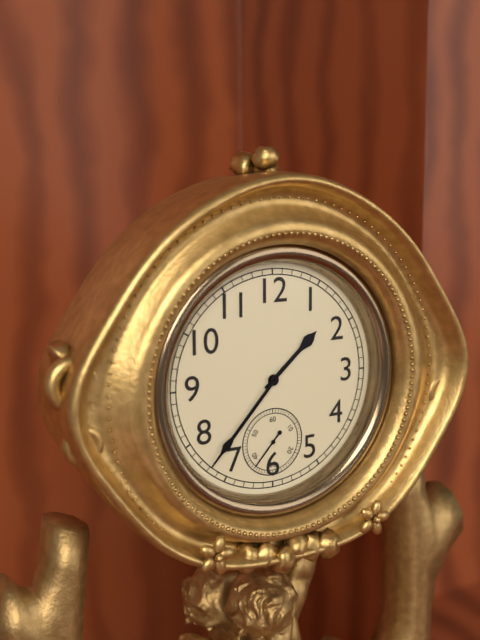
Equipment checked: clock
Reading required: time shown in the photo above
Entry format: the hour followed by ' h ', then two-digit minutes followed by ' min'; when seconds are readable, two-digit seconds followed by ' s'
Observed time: 1 h 37 min
